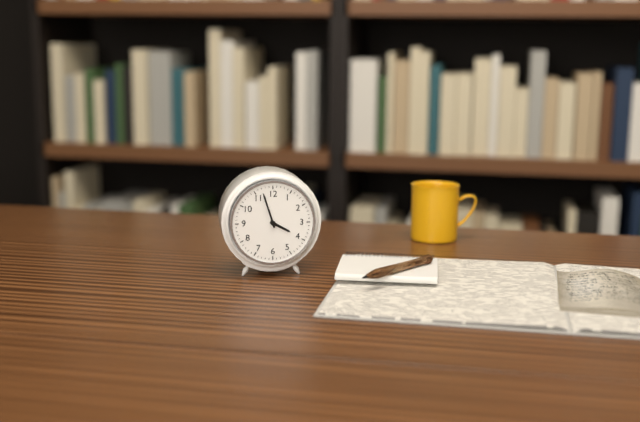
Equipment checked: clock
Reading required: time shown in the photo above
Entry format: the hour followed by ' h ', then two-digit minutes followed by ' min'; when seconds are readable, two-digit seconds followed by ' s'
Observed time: 3 h 57 min
